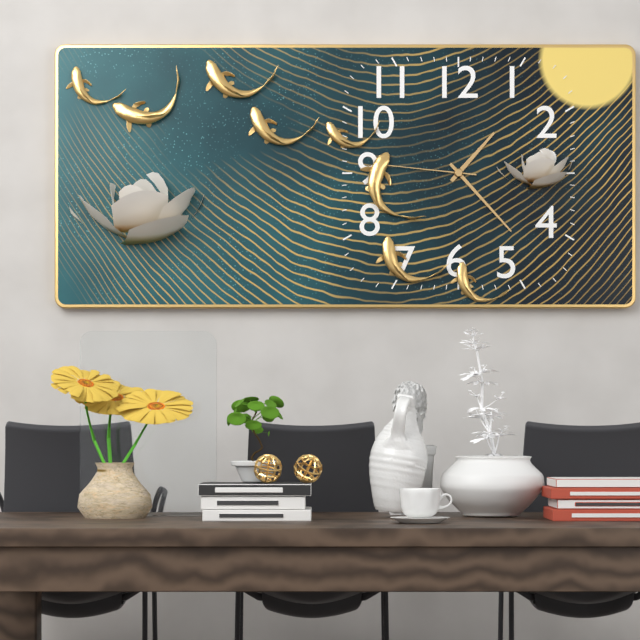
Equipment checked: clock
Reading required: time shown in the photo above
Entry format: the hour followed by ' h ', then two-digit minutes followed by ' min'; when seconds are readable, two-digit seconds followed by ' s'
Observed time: 1 h 23 min 46 s
